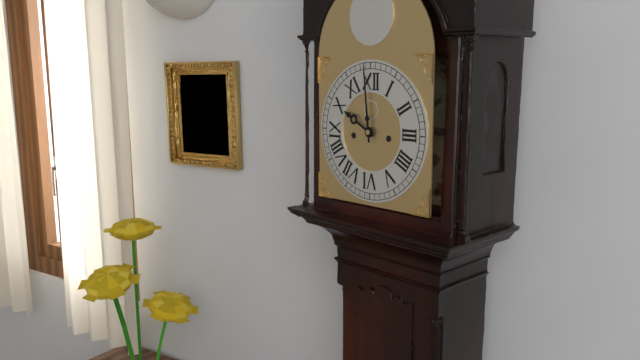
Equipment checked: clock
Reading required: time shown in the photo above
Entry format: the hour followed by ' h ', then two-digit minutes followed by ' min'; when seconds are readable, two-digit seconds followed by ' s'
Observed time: 9 h 59 min
